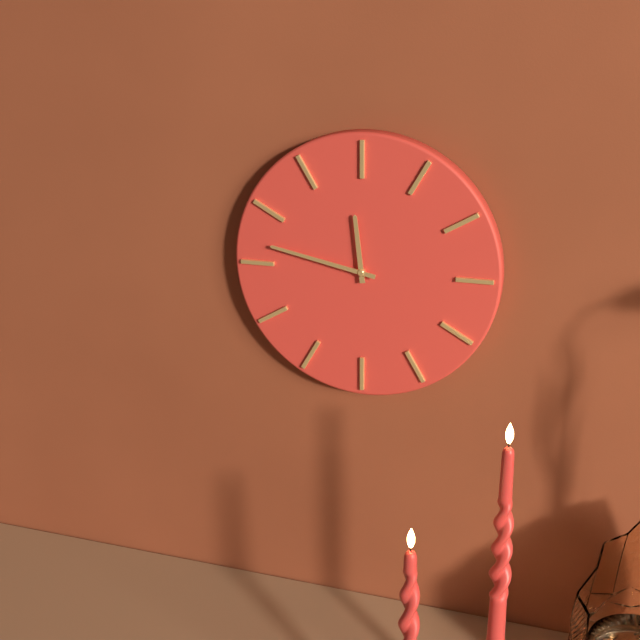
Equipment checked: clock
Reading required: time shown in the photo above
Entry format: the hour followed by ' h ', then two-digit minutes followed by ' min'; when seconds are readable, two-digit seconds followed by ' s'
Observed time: 11 h 47 min
